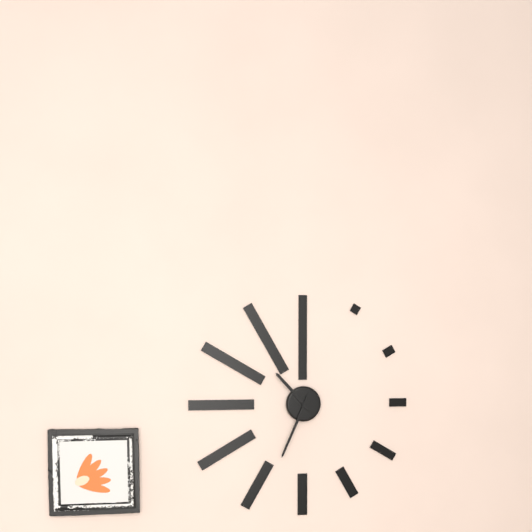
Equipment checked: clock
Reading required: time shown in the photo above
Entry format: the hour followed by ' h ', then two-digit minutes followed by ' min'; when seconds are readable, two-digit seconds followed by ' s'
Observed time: 10 h 34 min
